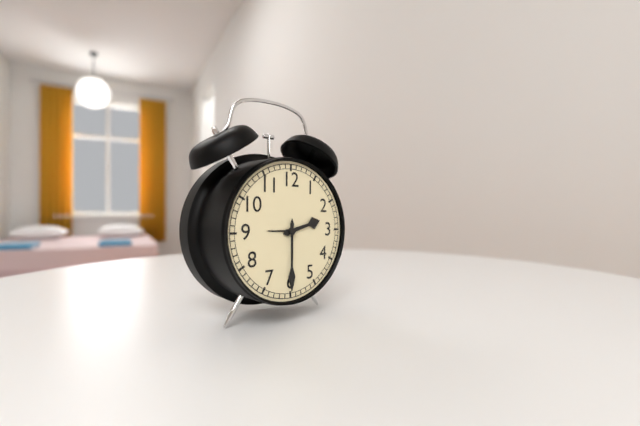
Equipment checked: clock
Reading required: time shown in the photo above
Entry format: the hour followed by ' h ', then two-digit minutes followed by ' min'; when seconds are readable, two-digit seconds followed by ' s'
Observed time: 2 h 30 min
